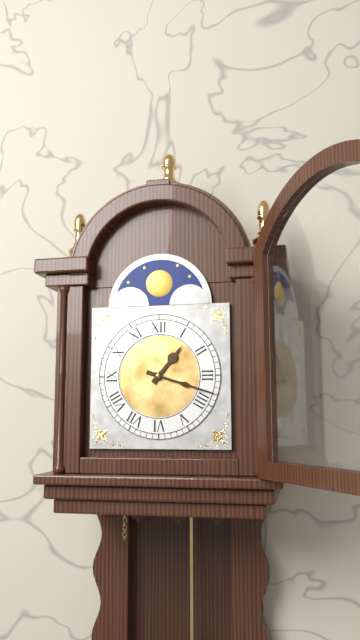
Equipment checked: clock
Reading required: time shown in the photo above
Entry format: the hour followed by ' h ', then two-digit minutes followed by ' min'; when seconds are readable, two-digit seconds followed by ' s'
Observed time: 1 h 18 min
